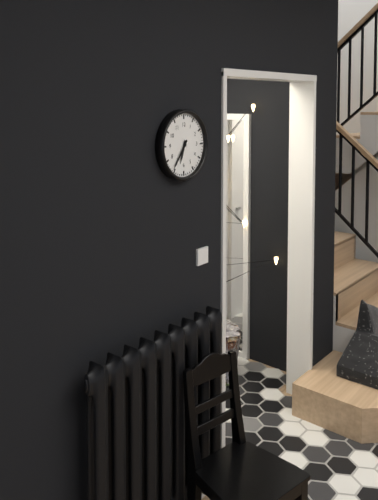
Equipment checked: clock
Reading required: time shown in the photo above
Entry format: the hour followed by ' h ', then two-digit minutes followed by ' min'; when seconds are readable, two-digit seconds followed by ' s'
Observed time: 6 h 36 min
